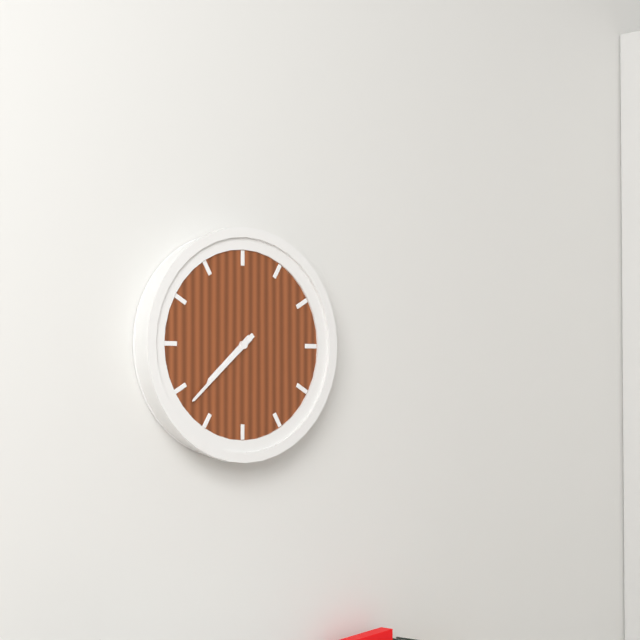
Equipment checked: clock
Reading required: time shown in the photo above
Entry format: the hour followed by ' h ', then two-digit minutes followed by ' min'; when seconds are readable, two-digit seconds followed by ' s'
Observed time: 7 h 38 min
